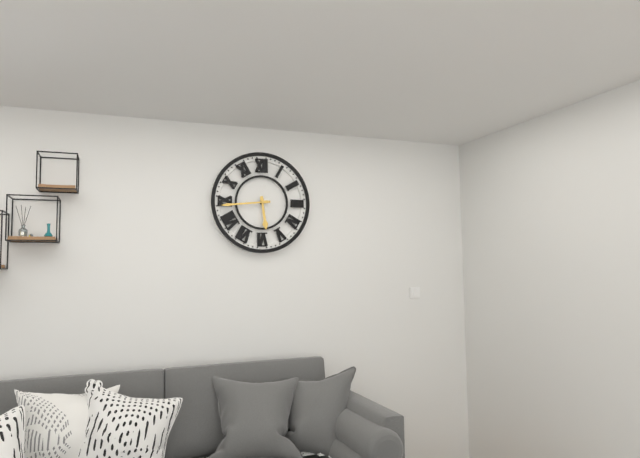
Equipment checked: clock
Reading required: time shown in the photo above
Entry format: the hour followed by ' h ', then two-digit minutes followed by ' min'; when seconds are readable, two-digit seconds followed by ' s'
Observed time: 5 h 44 min
